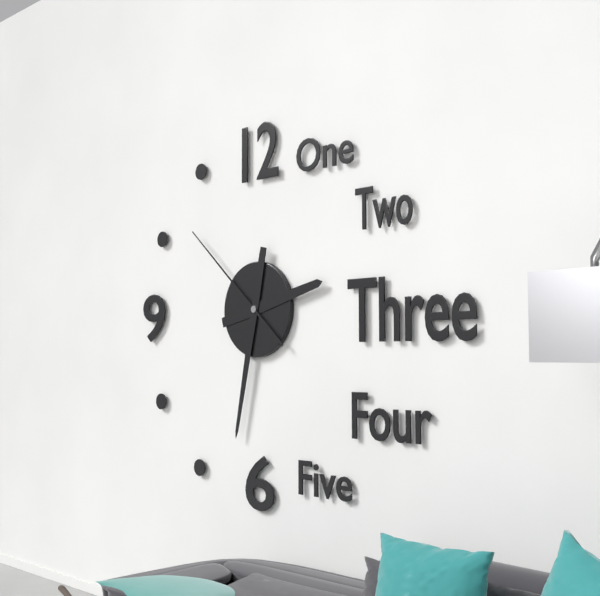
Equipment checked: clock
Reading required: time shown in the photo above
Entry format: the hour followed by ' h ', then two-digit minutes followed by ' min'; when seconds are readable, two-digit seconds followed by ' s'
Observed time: 2 h 32 min 52 s
